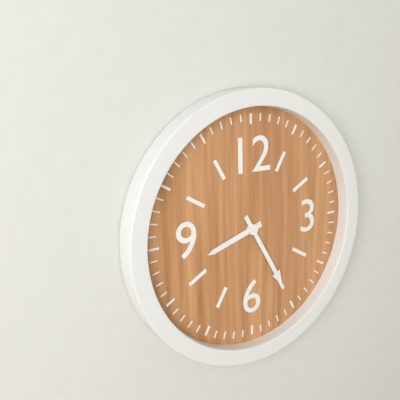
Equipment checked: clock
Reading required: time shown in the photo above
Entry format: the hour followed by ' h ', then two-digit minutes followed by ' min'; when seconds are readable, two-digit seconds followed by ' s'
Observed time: 8 h 25 min
